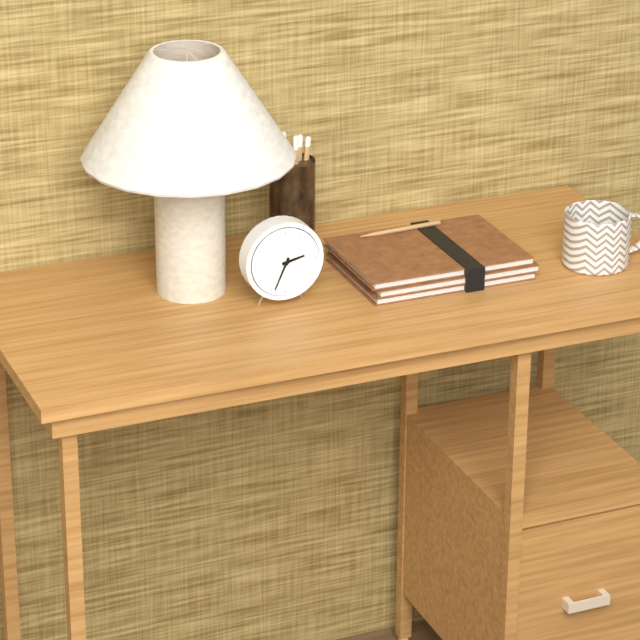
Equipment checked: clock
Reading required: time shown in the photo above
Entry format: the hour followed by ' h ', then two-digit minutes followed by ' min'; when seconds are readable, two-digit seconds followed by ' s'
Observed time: 2 h 34 min
